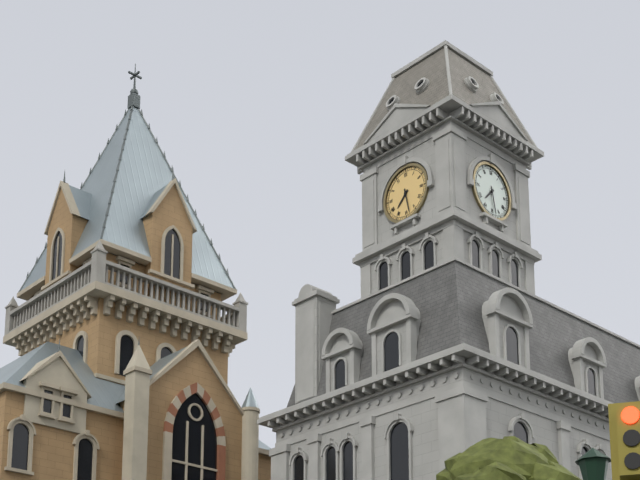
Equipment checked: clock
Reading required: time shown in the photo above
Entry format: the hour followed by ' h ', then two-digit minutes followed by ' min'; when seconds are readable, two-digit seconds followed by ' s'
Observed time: 7 h 28 min
